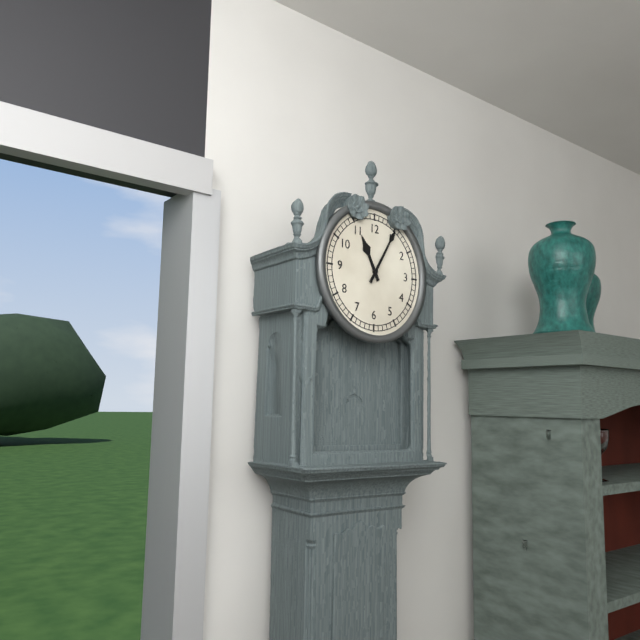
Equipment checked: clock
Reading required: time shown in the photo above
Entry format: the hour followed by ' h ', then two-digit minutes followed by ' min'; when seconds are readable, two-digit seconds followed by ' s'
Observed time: 11 h 05 min
